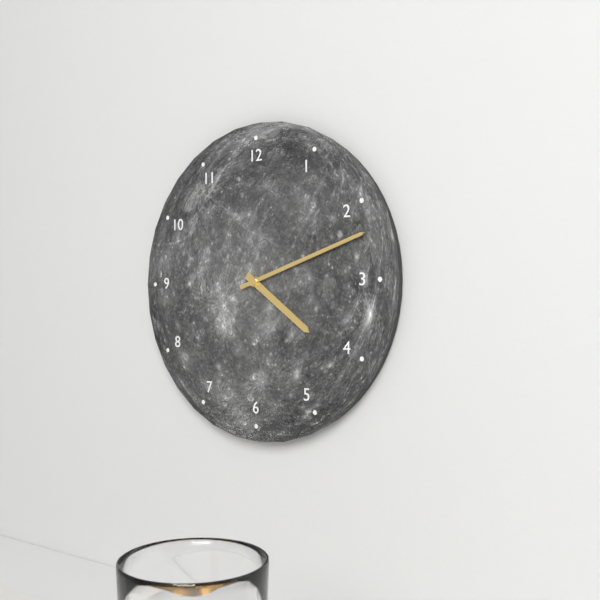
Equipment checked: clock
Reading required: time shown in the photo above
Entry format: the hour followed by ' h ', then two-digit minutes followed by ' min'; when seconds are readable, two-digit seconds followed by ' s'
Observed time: 4 h 12 min
